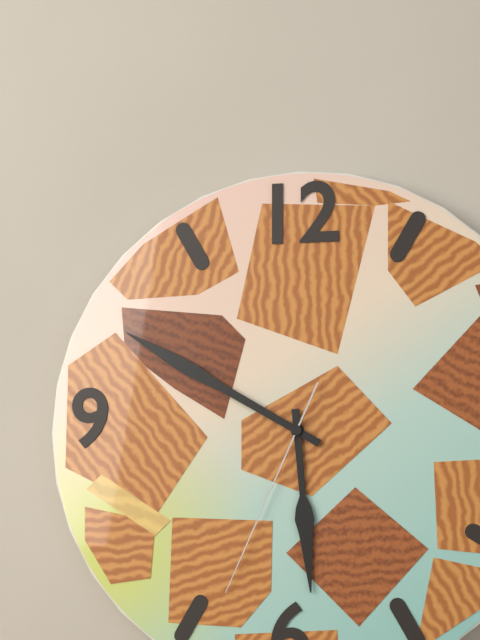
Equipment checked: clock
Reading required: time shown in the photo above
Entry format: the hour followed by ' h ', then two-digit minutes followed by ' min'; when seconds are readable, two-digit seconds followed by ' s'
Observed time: 5 h 50 min 34 s
